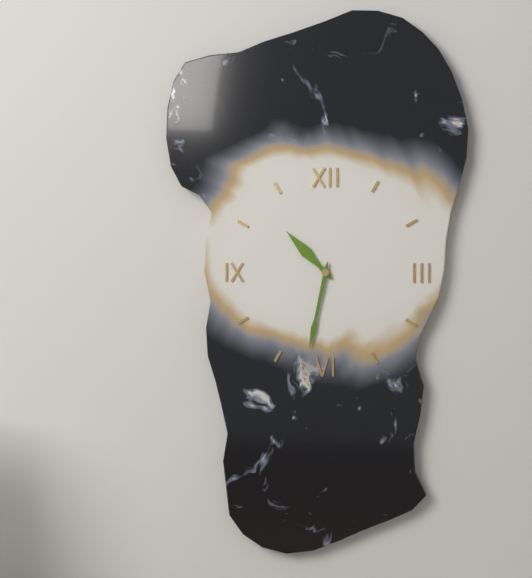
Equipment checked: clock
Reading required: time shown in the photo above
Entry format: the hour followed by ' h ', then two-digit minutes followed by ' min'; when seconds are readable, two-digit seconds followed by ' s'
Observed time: 10 h 32 min
